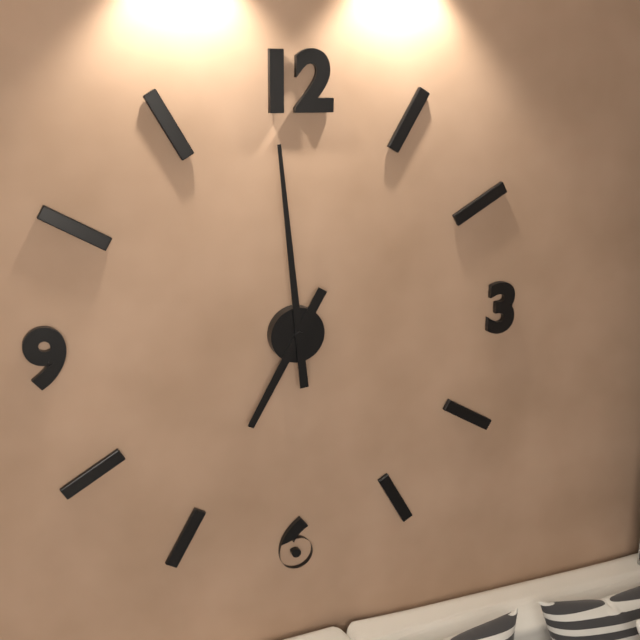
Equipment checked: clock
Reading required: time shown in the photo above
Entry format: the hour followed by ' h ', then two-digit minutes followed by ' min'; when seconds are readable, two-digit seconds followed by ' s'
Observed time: 6 h 59 min
